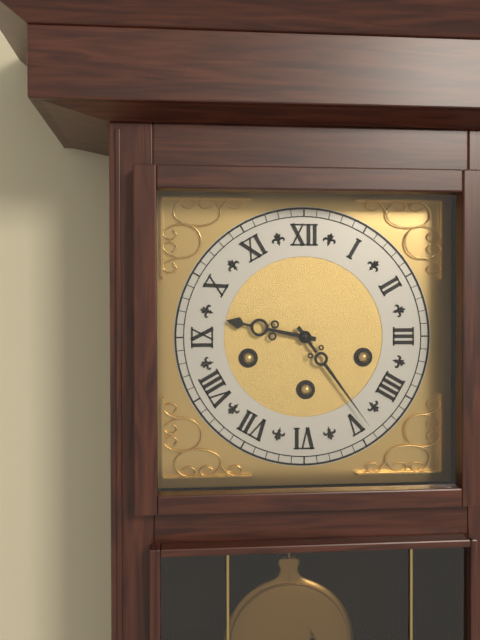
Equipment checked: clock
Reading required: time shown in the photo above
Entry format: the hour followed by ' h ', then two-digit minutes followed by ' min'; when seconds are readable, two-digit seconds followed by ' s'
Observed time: 9 h 24 min
